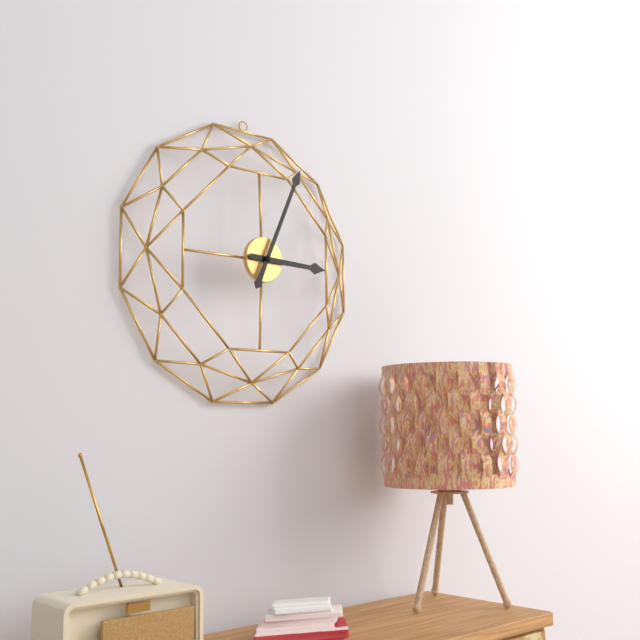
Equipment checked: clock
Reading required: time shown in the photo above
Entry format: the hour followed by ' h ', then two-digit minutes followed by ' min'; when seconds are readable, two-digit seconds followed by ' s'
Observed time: 3 h 04 min
